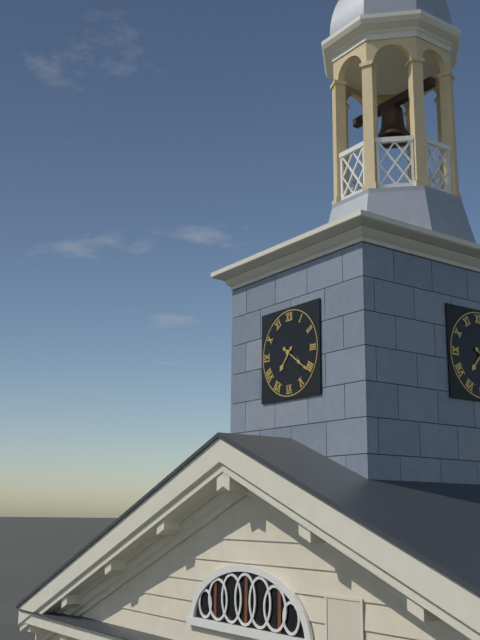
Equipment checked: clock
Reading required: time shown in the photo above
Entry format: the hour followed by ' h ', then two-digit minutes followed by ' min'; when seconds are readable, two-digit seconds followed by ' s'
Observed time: 7 h 21 min
